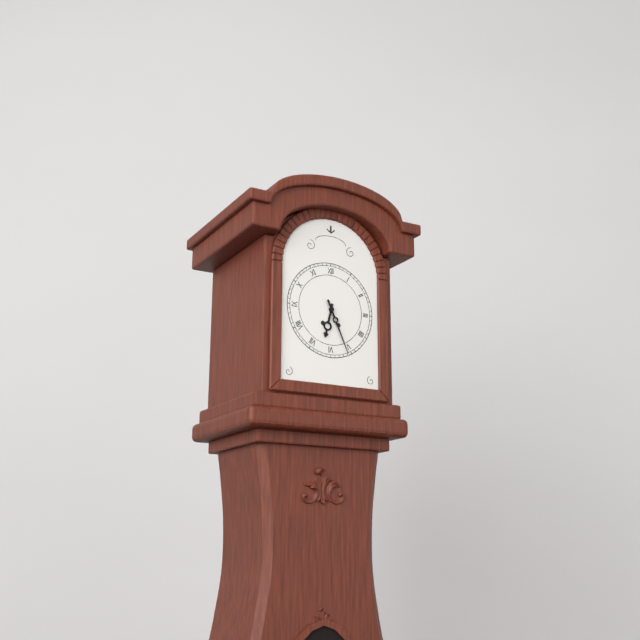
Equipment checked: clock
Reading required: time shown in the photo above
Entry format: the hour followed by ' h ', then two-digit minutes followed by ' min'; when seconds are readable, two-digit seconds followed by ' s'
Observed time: 6 h 26 min
